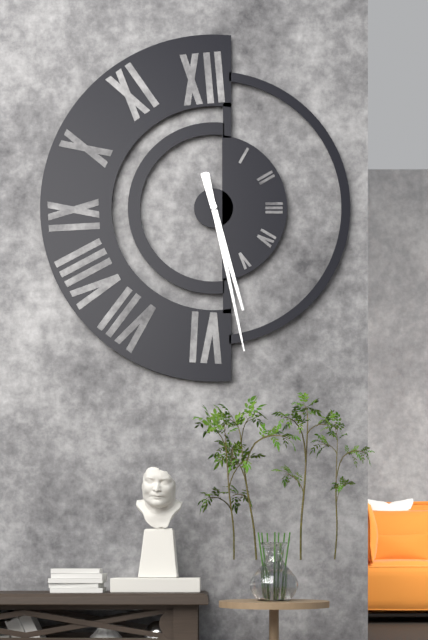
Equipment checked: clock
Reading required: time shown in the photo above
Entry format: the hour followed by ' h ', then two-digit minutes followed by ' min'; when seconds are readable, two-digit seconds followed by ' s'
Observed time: 5 h 28 min
